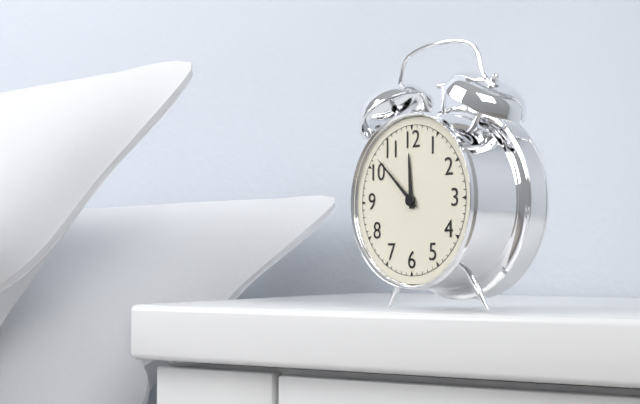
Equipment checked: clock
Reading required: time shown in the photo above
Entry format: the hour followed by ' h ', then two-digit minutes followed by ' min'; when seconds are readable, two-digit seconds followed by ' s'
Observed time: 11 h 52 min
